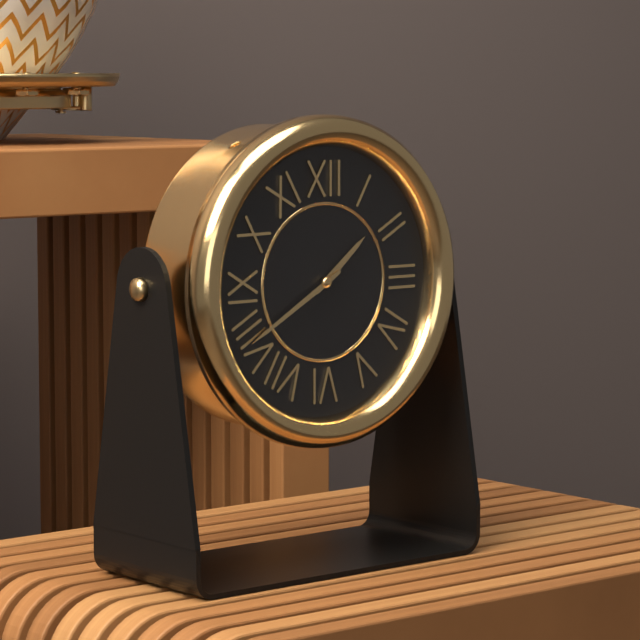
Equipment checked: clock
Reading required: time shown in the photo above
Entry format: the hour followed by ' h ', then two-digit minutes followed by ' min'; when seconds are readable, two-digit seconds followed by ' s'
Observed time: 1 h 40 min
